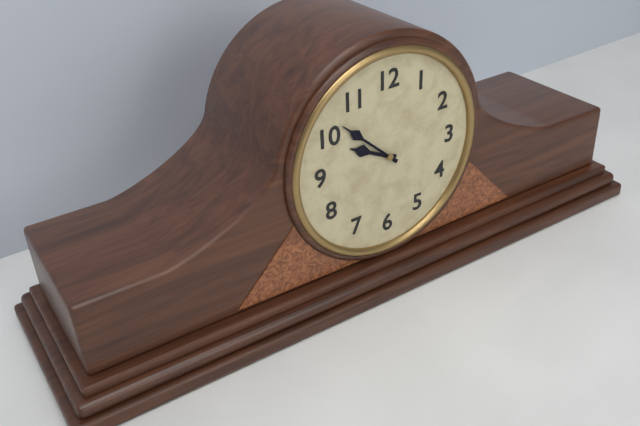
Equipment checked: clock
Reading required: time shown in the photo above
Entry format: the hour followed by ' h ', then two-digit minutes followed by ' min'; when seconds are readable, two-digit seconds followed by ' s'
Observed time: 9 h 52 min
